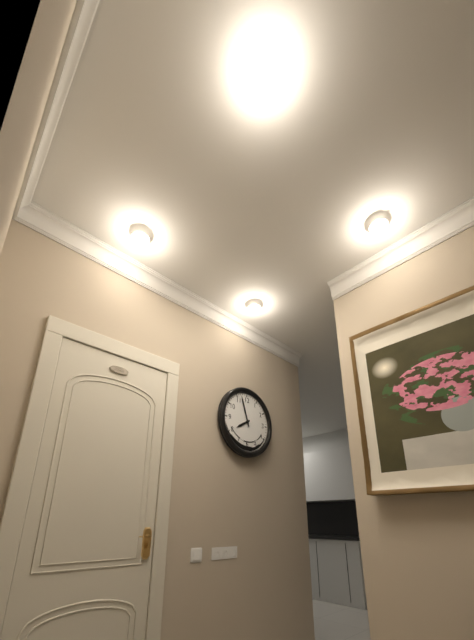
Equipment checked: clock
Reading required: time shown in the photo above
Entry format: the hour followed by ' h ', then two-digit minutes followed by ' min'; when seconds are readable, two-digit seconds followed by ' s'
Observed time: 7 h 57 min
